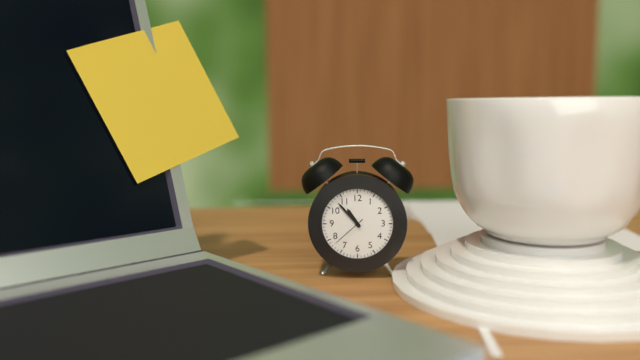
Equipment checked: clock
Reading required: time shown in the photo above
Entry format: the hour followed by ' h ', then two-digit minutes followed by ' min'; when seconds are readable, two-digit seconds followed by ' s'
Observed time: 10 h 53 min
